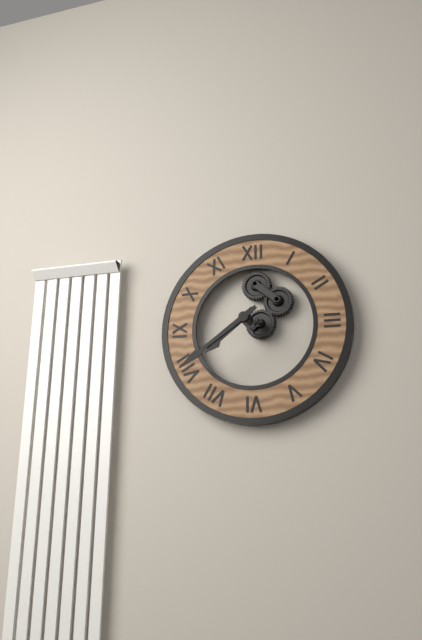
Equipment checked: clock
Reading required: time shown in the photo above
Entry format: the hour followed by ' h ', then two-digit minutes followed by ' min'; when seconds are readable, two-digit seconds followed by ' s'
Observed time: 7 h 39 min
